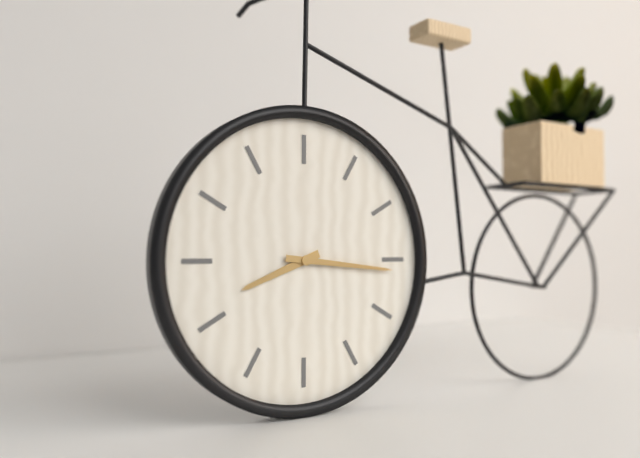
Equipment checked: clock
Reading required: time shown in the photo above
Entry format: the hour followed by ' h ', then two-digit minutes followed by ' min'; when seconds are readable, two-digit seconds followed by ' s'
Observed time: 8 h 16 min
